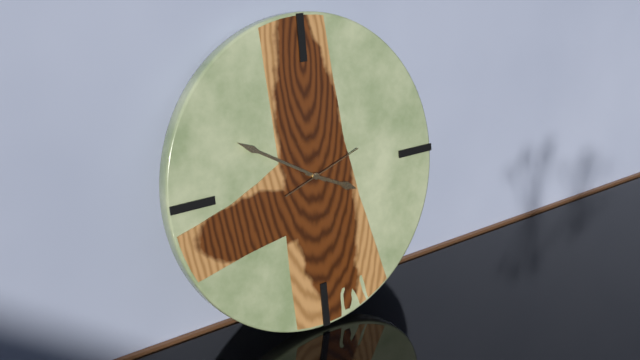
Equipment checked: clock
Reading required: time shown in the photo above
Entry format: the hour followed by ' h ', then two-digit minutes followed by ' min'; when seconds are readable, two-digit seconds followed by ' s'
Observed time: 3 h 50 min 12 s
